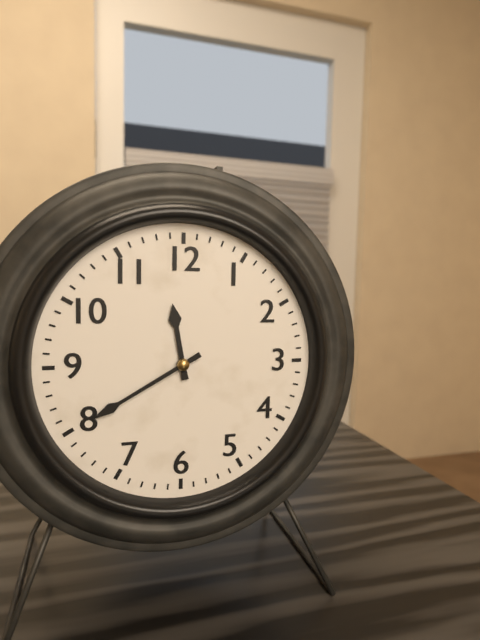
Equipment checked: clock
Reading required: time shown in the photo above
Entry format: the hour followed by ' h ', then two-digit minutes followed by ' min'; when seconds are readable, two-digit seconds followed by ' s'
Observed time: 11 h 40 min
